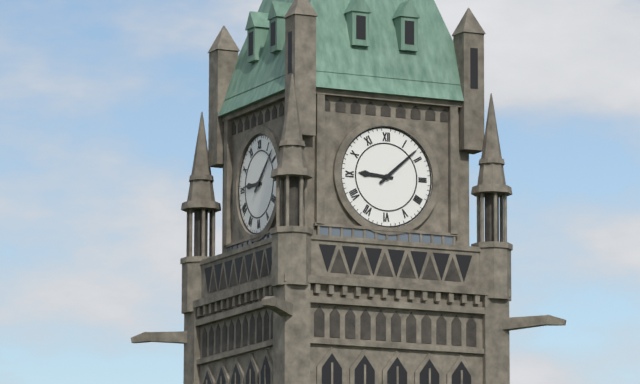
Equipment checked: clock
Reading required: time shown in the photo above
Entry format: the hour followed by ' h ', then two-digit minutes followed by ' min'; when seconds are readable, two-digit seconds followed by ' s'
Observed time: 9 h 08 min
